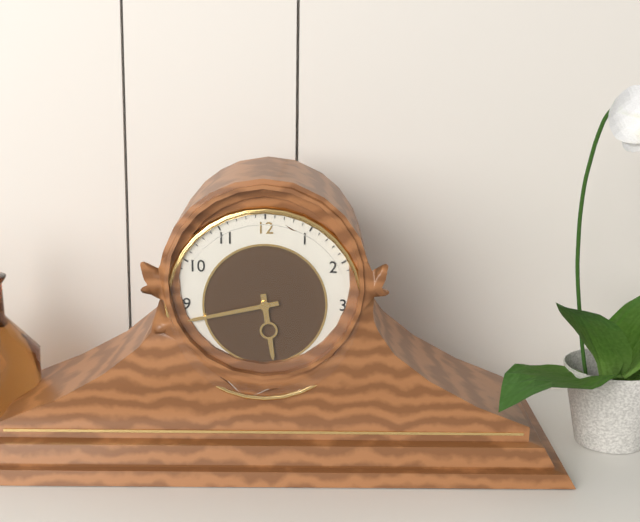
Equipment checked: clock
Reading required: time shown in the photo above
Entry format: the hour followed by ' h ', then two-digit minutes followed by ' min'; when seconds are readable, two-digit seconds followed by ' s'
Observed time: 5 h 43 min
